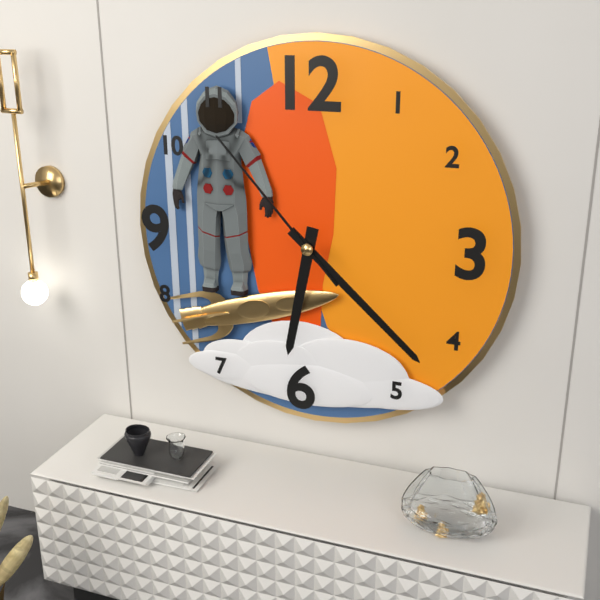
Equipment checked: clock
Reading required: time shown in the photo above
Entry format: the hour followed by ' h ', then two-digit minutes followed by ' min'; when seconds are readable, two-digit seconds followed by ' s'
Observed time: 6 h 22 min 53 s
